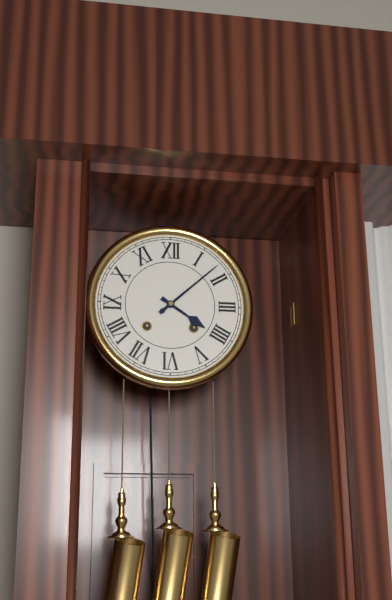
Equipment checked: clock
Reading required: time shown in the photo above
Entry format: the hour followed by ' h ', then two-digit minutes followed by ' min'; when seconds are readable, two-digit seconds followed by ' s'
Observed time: 4 h 08 min
